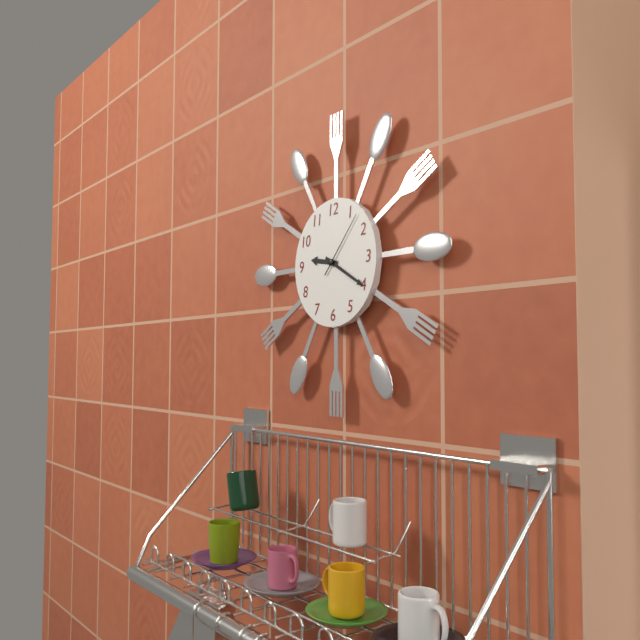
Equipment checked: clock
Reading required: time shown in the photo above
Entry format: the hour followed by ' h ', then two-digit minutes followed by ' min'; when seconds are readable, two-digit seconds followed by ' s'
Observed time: 9 h 20 min 07 s
